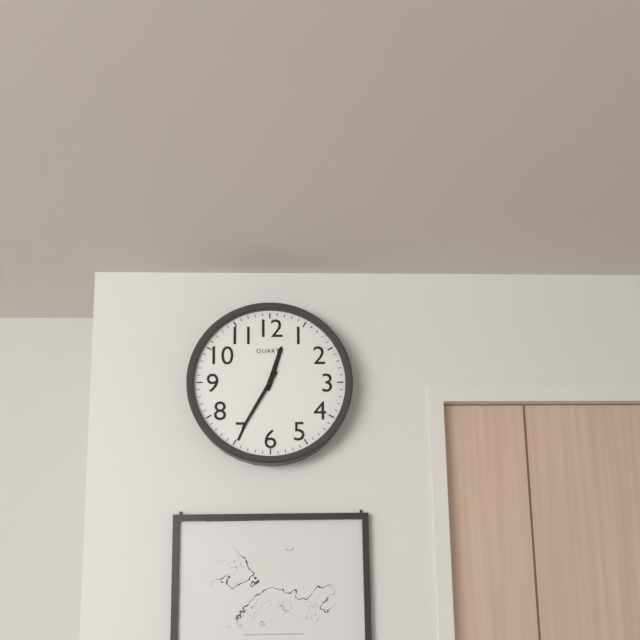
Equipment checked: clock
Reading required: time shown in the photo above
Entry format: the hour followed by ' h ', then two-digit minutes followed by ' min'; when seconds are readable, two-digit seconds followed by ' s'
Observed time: 12 h 35 min
